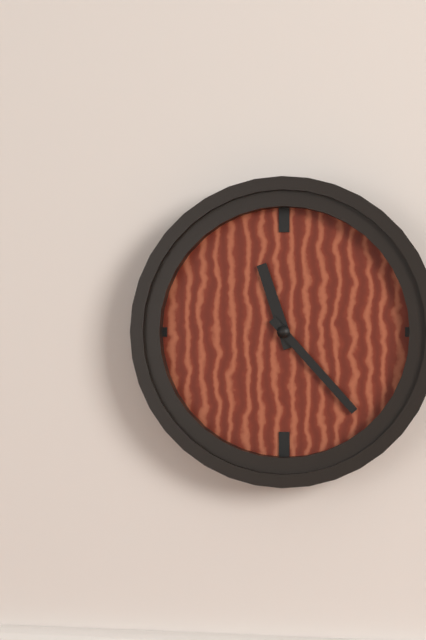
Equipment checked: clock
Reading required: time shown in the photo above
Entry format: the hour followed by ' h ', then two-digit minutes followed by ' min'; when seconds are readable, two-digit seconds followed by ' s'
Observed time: 11 h 23 min
